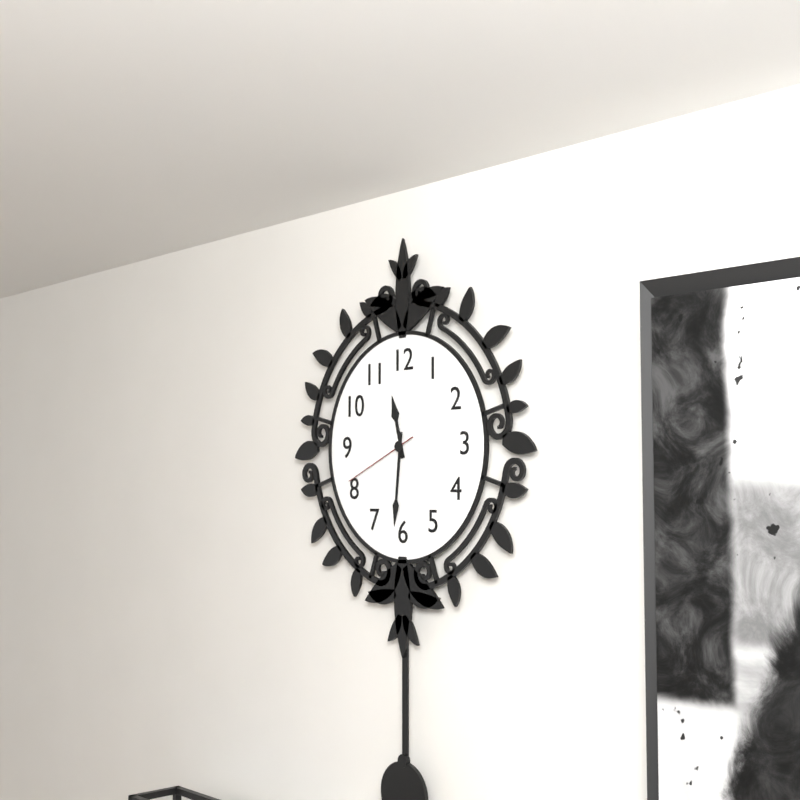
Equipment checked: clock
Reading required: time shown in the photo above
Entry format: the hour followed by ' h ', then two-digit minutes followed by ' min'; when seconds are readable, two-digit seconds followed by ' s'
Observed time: 11 h 31 min 41 s
